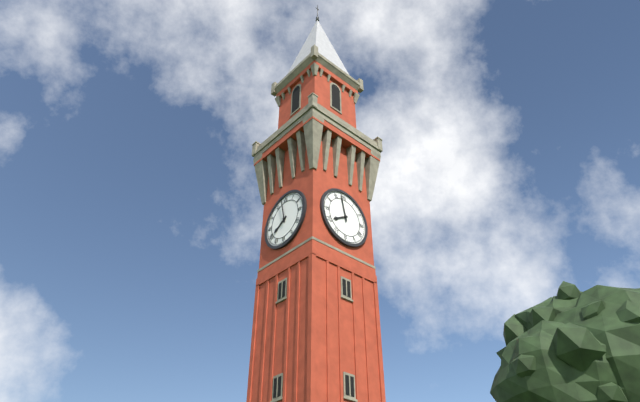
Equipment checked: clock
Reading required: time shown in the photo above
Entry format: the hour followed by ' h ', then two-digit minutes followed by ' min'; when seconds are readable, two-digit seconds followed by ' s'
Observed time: 7 h 58 min
